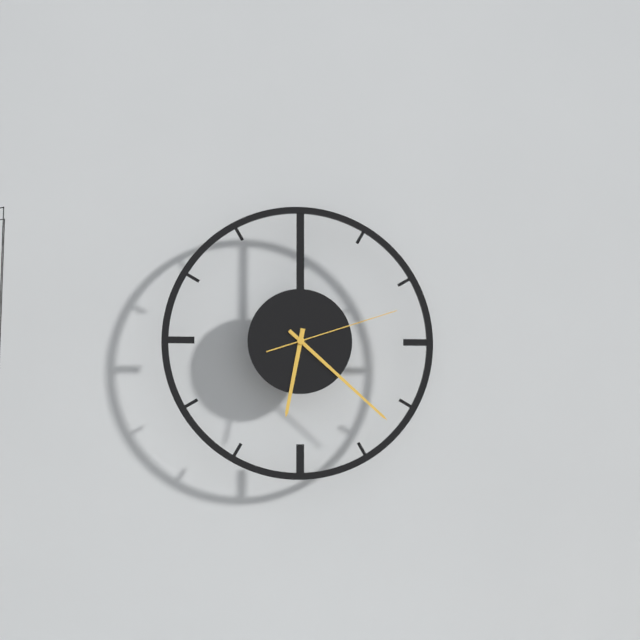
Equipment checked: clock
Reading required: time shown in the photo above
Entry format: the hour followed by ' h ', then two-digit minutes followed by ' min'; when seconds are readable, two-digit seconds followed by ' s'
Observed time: 6 h 22 min 12 s
